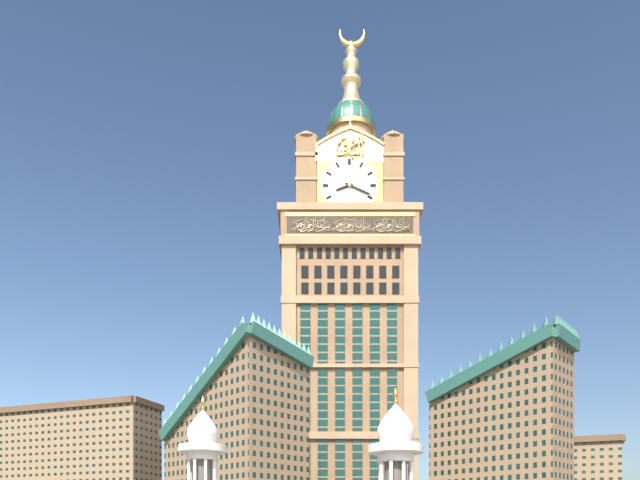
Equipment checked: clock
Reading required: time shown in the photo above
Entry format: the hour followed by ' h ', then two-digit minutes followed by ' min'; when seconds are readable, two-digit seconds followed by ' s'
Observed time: 8 h 19 min
